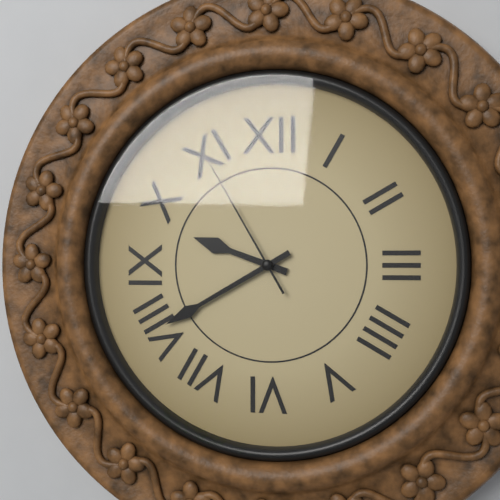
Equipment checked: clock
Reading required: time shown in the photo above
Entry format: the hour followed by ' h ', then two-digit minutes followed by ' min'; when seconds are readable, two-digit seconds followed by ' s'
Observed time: 9 h 40 min 55 s
